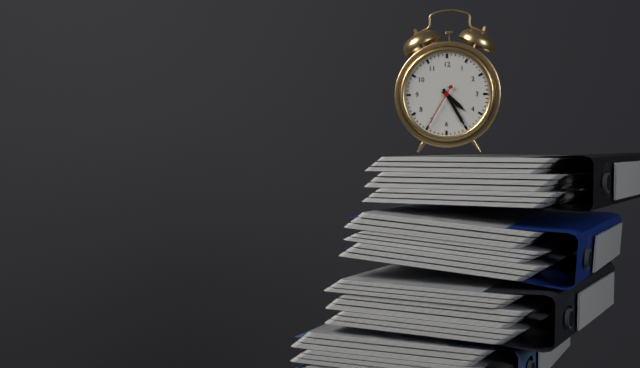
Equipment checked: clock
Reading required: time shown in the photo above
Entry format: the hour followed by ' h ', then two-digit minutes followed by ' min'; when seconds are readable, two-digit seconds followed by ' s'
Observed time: 4 h 25 min
